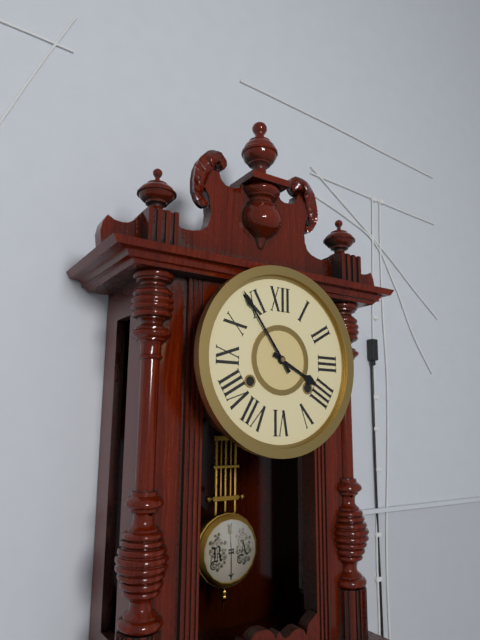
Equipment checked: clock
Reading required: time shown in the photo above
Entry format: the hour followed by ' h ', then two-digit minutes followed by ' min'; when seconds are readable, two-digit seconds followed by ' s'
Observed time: 3 h 54 min
